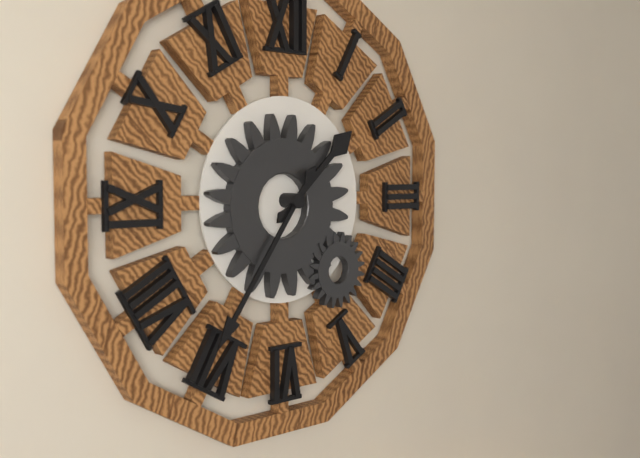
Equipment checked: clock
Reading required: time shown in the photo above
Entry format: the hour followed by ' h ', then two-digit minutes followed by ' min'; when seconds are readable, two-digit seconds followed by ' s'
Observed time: 1 h 36 min
